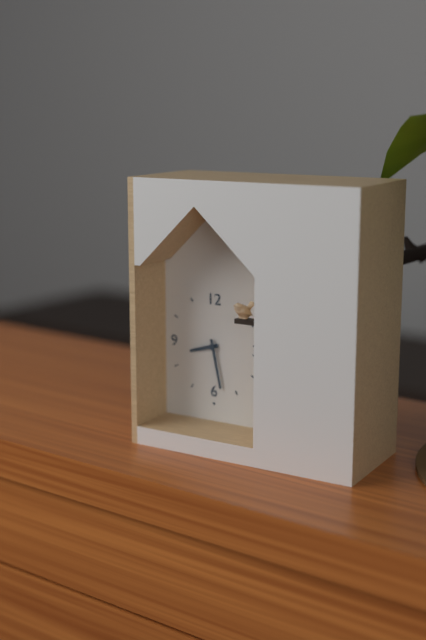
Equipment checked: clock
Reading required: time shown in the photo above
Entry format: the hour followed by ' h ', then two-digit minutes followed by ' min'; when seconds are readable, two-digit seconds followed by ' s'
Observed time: 8 h 28 min
